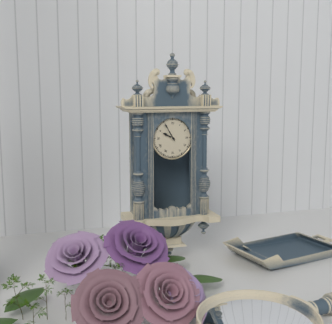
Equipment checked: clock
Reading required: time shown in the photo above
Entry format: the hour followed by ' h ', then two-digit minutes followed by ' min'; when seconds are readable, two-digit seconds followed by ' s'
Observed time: 9 h 55 min
